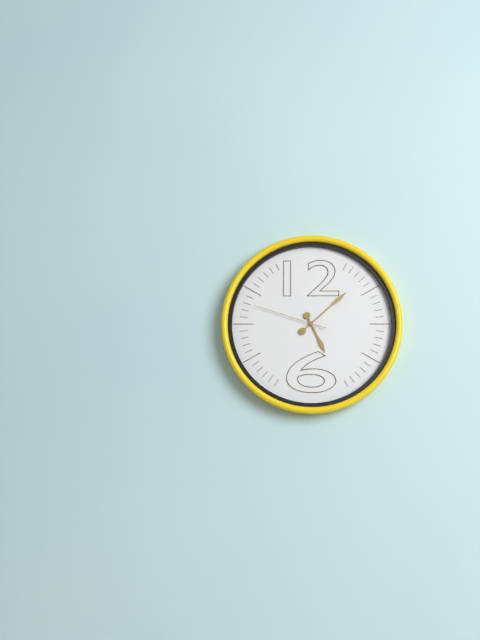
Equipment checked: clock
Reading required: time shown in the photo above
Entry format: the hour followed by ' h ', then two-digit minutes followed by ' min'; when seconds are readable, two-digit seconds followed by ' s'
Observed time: 5 h 08 min 48 s
